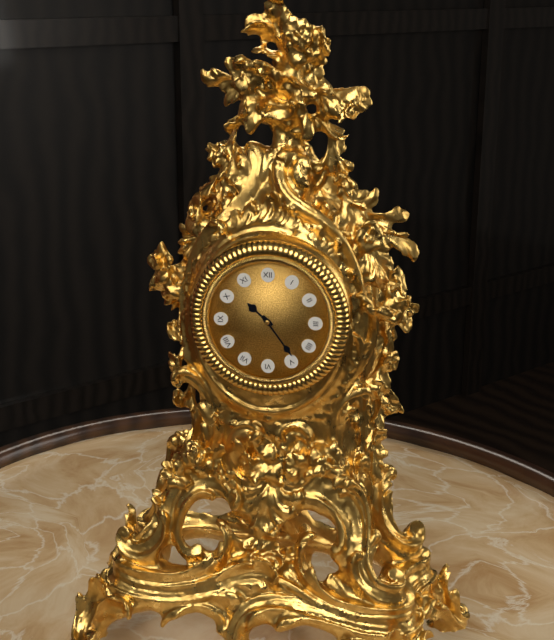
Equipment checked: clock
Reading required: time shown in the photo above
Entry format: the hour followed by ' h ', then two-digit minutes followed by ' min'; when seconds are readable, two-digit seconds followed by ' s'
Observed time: 10 h 24 min
